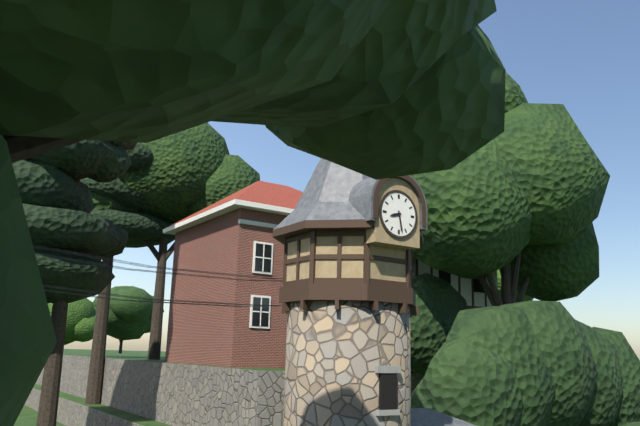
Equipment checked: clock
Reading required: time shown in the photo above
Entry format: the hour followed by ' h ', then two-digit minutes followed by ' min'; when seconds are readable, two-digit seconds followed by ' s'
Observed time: 8 h 28 min
